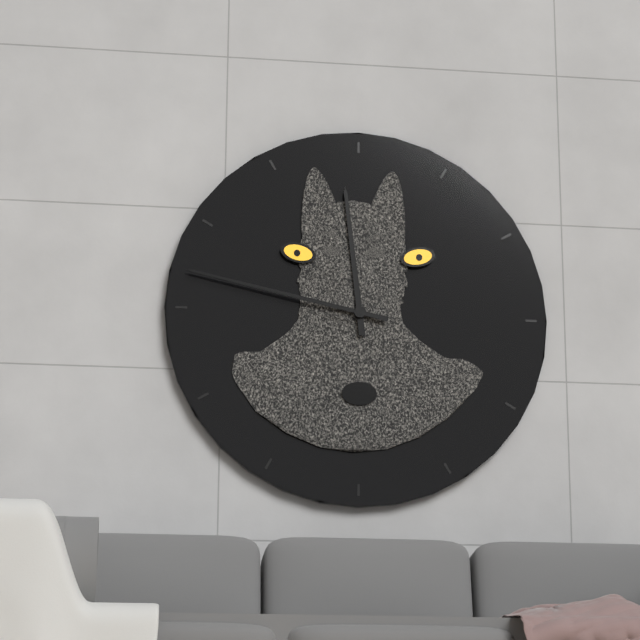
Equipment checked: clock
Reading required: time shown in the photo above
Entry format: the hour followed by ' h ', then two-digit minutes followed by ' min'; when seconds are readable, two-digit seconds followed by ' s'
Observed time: 11 h 47 min
